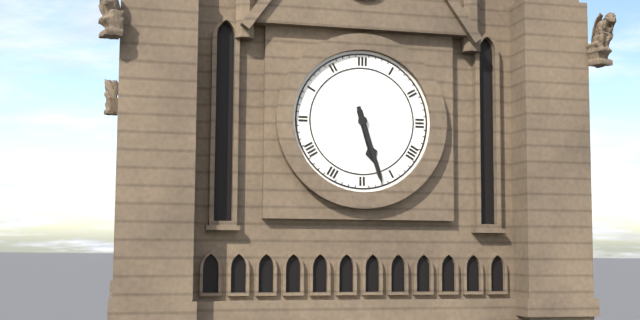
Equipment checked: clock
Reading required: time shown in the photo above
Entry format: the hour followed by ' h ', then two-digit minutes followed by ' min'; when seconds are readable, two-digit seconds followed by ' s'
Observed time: 5 h 27 min
